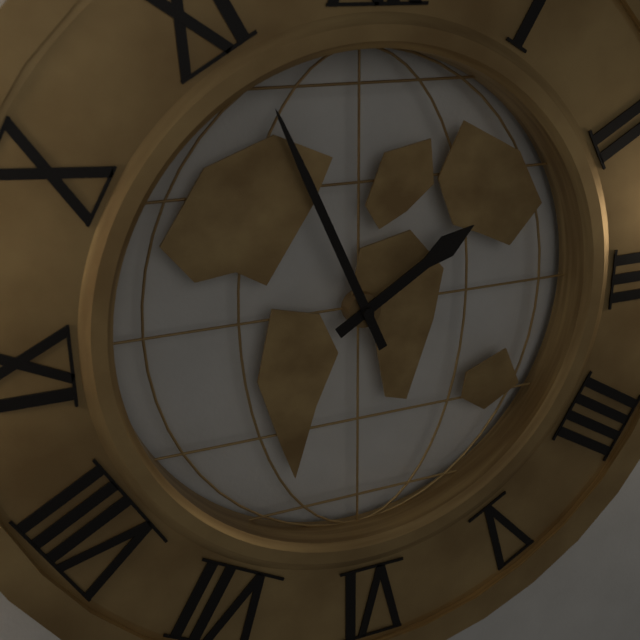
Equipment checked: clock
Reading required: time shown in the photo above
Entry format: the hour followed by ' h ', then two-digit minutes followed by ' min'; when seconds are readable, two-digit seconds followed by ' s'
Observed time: 1 h 56 min
